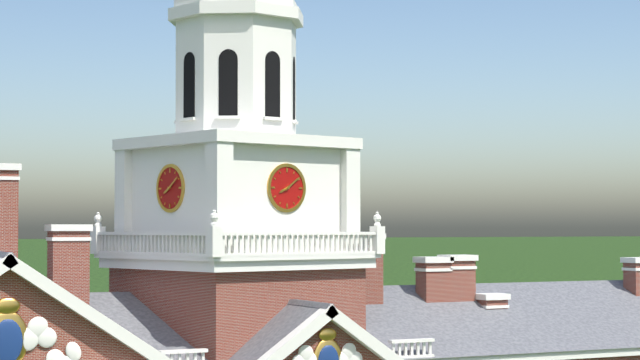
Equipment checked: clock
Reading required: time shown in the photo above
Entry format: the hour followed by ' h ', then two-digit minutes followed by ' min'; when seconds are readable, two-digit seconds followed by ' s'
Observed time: 8 h 09 min
